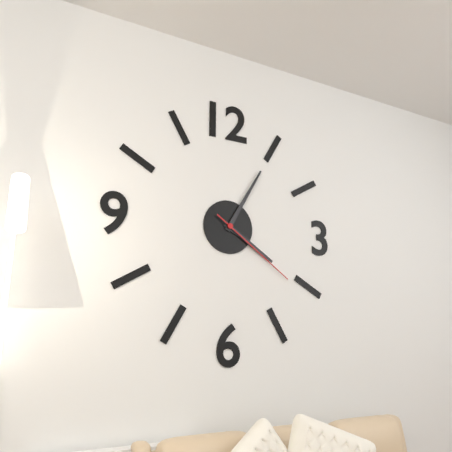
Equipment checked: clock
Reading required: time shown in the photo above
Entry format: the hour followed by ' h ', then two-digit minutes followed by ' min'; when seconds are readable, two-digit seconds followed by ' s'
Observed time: 4 h 05 min 21 s
